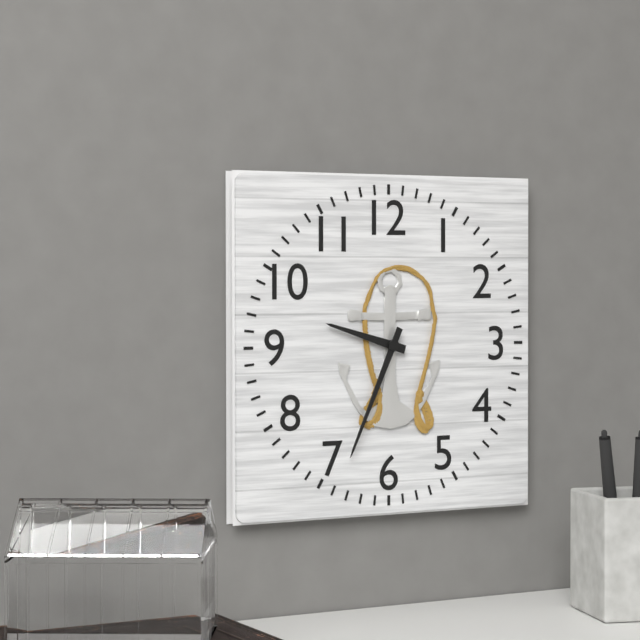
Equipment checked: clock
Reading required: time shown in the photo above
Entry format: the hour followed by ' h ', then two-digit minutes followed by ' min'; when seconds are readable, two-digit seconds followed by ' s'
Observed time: 9 h 34 min
